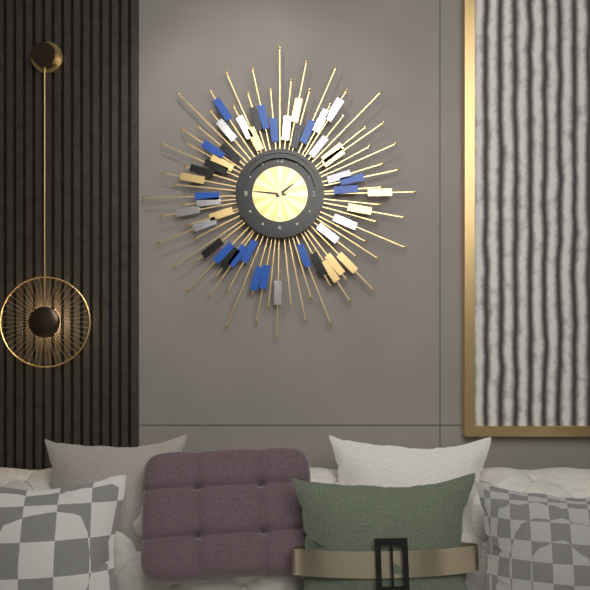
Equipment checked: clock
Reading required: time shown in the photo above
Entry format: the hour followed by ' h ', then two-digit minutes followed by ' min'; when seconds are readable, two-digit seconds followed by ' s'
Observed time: 1 h 46 min
